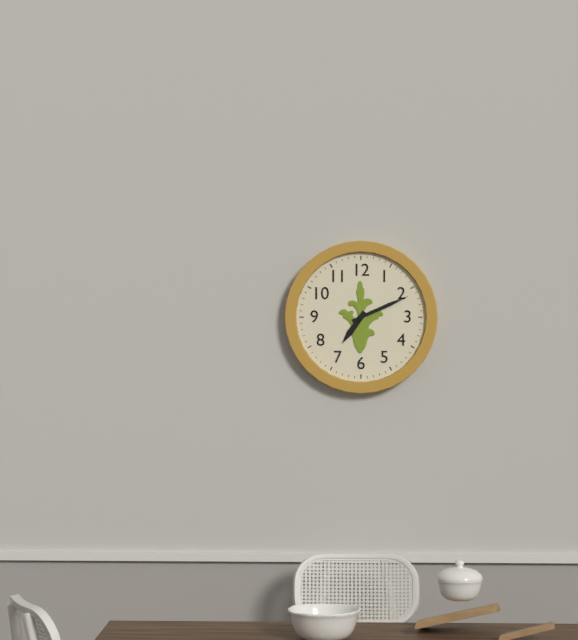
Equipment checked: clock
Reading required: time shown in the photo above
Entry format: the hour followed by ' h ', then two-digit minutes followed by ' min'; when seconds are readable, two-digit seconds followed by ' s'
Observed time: 7 h 11 min
